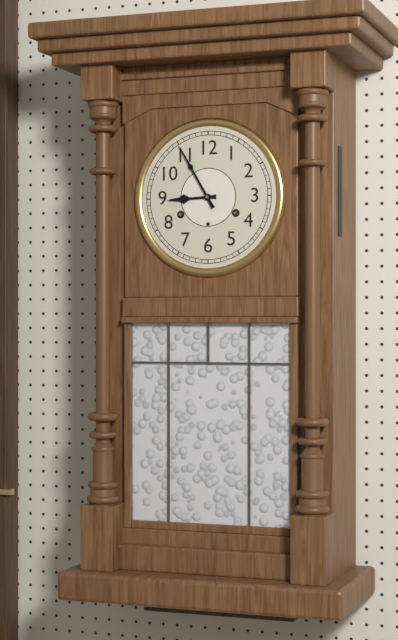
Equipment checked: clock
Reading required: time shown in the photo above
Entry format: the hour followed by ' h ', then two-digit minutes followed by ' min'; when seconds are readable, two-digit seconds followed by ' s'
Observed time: 8 h 55 min
